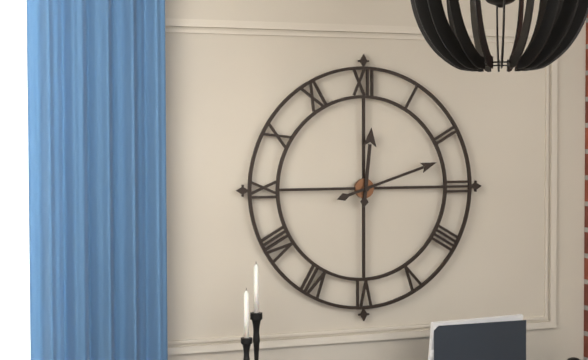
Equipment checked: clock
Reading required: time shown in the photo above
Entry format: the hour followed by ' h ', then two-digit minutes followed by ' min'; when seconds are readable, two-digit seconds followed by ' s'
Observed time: 12 h 12 min
